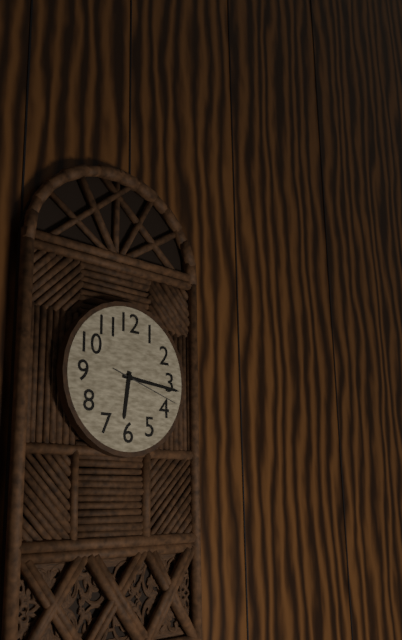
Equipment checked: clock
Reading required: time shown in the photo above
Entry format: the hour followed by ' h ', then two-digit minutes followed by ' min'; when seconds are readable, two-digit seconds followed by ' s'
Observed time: 6 h 16 min 18 s
